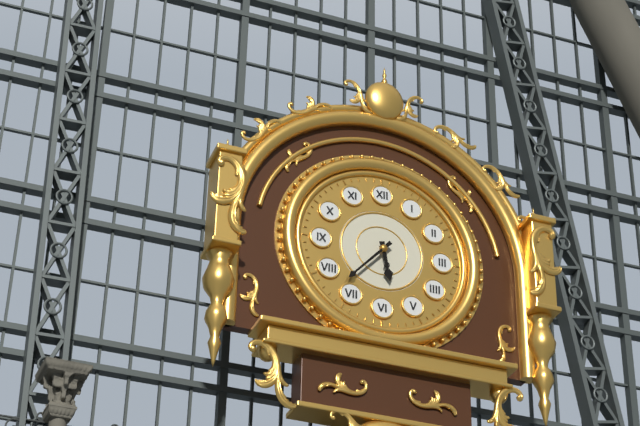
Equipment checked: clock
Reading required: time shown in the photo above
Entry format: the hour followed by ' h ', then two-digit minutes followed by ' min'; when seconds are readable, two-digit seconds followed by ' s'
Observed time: 5 h 37 min
